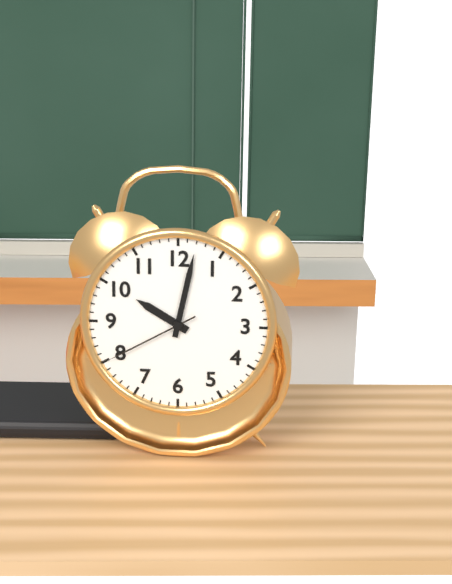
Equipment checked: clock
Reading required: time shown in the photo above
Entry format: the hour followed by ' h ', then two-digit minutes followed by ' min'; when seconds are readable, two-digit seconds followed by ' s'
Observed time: 10 h 02 min 40 s
